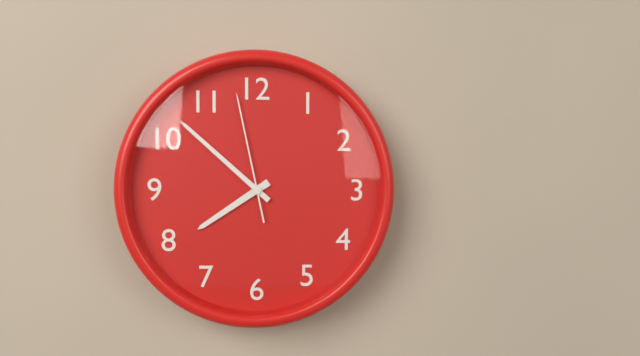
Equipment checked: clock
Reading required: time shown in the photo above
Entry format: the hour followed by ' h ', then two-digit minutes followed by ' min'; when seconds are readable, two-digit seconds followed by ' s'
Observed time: 7 h 52 min 58 s
